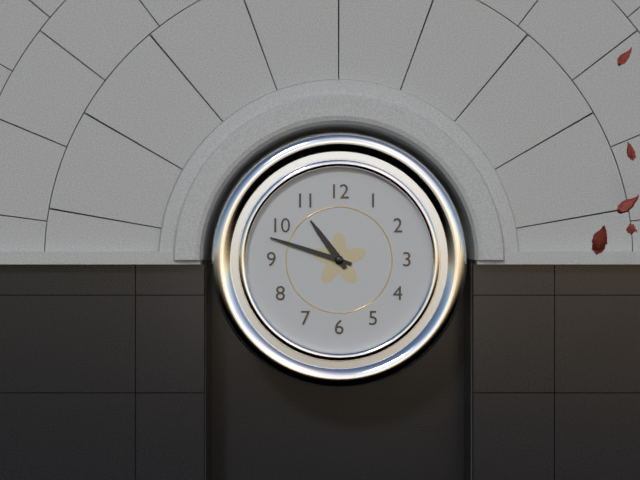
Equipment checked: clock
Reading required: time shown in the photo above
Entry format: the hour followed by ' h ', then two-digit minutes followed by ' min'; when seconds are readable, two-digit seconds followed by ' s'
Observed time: 10 h 48 min
